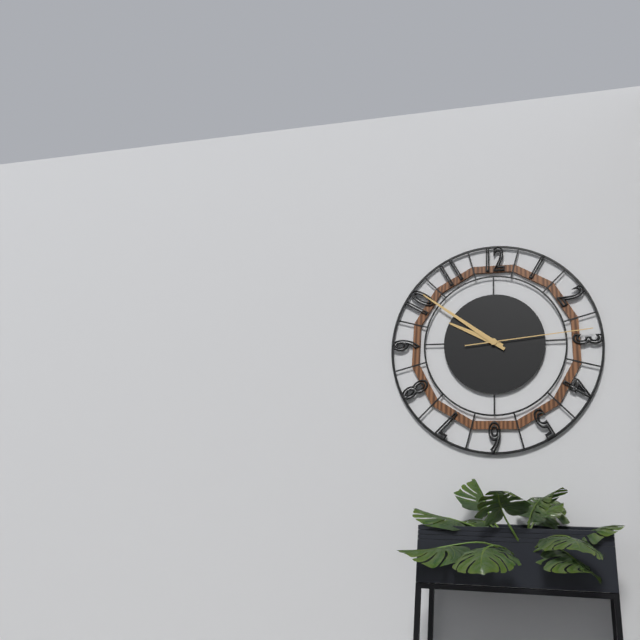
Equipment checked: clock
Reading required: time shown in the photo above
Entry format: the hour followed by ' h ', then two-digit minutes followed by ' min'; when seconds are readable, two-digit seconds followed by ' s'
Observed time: 9 h 51 min 14 s
